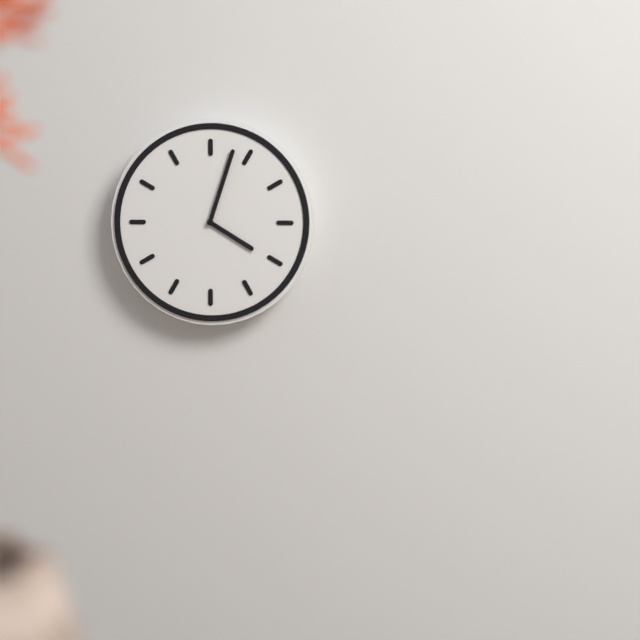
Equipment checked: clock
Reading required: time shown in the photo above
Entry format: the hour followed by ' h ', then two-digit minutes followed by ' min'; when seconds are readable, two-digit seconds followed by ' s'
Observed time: 4 h 03 min
